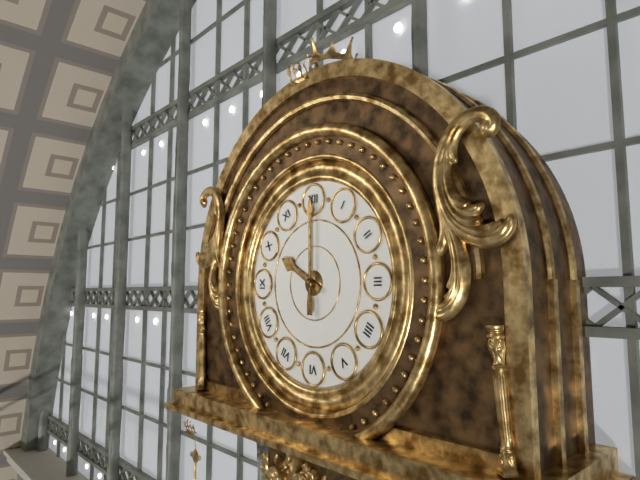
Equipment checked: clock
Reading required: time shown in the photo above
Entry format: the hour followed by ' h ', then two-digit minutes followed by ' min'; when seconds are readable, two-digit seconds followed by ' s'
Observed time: 10 h 00 min
